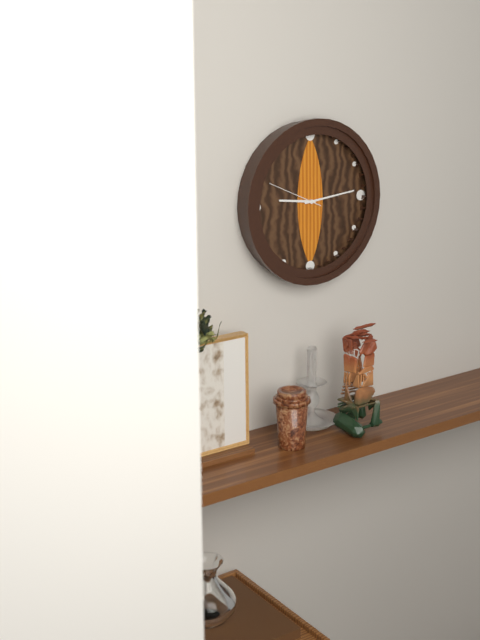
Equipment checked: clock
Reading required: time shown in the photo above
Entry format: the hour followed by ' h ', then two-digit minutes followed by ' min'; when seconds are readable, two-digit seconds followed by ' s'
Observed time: 9 h 14 min 49 s
